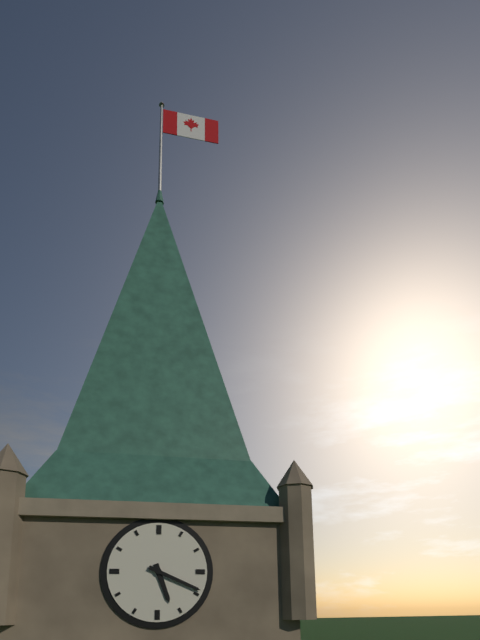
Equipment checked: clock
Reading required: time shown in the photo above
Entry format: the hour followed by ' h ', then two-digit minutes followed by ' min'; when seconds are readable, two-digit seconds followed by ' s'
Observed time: 5 h 19 min
